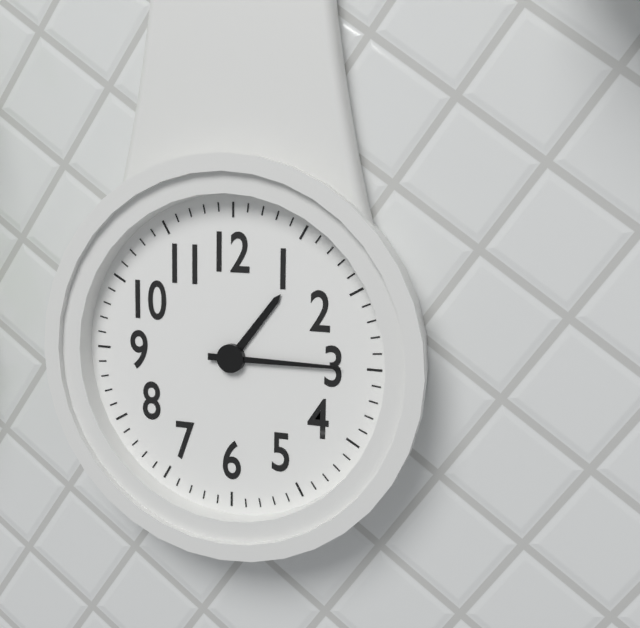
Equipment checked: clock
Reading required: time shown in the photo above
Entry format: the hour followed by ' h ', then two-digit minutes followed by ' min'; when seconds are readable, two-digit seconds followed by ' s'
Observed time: 1 h 15 min
